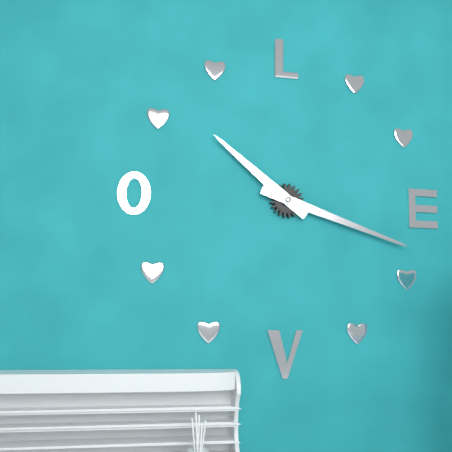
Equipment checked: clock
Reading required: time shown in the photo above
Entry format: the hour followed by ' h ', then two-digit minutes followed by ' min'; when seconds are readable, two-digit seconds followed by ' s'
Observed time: 10 h 18 min
